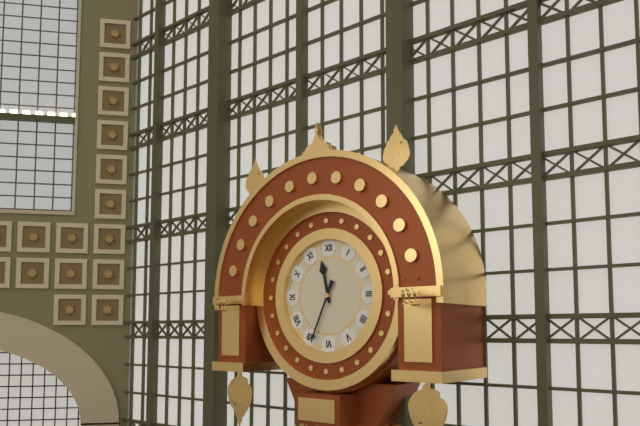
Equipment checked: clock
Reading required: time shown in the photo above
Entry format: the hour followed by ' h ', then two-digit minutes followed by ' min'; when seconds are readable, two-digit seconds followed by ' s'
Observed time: 11 h 34 min
